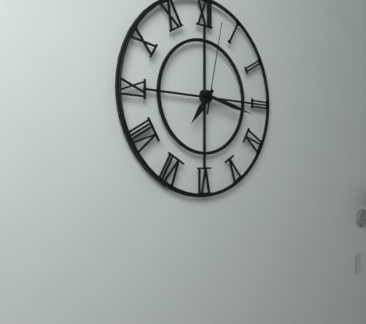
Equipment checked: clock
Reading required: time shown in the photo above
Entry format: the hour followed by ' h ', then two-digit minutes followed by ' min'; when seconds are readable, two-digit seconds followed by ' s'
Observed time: 7 h 17 min 02 s
